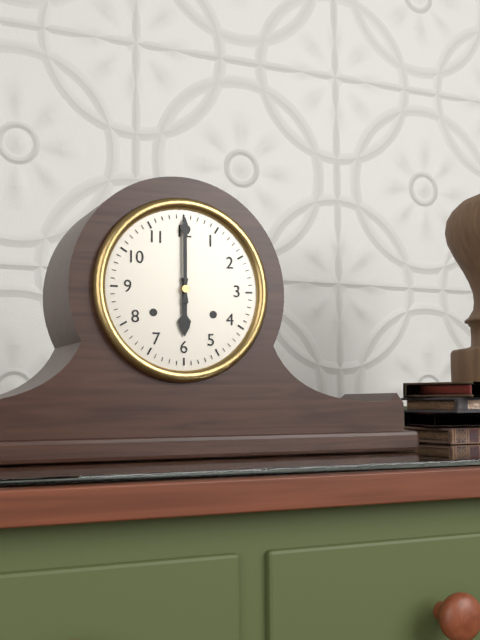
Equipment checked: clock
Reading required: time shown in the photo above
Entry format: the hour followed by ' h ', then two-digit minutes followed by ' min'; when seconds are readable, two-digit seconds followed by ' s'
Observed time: 6 h 00 min
